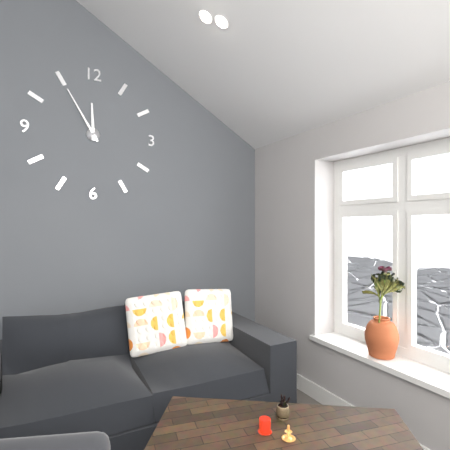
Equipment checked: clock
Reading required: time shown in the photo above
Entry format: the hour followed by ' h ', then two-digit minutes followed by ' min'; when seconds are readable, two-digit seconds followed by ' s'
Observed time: 11 h 55 min
